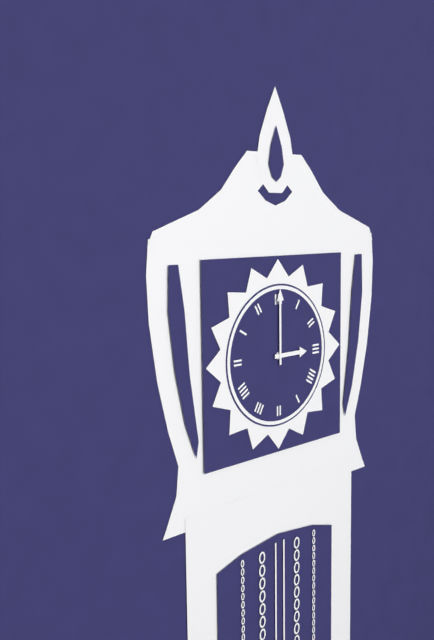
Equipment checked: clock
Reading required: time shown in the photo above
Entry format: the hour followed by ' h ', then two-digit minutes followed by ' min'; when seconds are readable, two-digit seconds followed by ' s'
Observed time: 3 h 00 min
